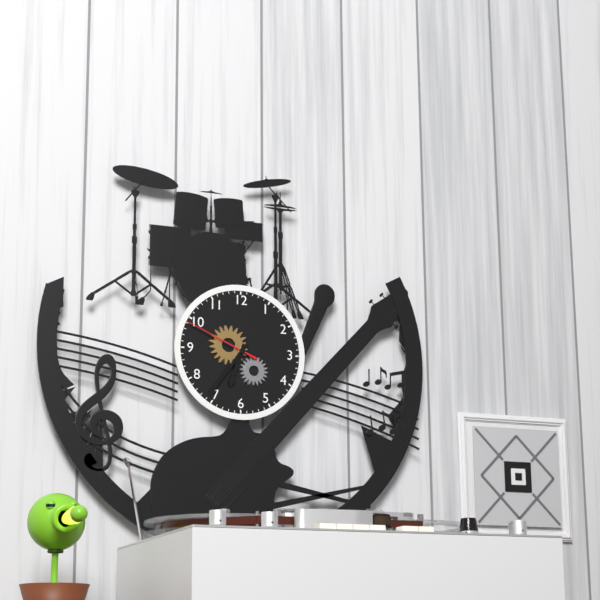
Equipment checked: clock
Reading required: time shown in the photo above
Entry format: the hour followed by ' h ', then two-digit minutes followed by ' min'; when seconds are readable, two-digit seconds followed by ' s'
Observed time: 6 h 36 min 49 s
